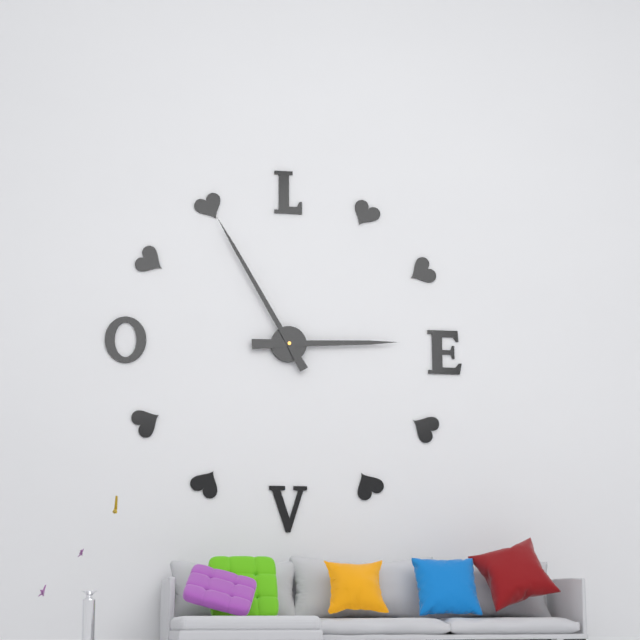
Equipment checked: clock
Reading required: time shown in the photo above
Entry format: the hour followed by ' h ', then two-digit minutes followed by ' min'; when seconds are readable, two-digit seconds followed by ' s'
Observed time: 2 h 55 min
